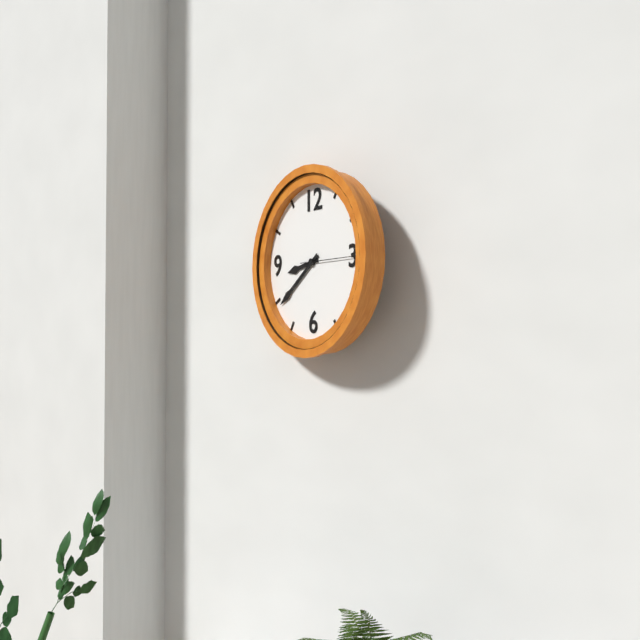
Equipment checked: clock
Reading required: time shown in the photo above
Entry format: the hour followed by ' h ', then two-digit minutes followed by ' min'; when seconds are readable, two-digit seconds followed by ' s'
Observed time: 8 h 39 min 15 s
